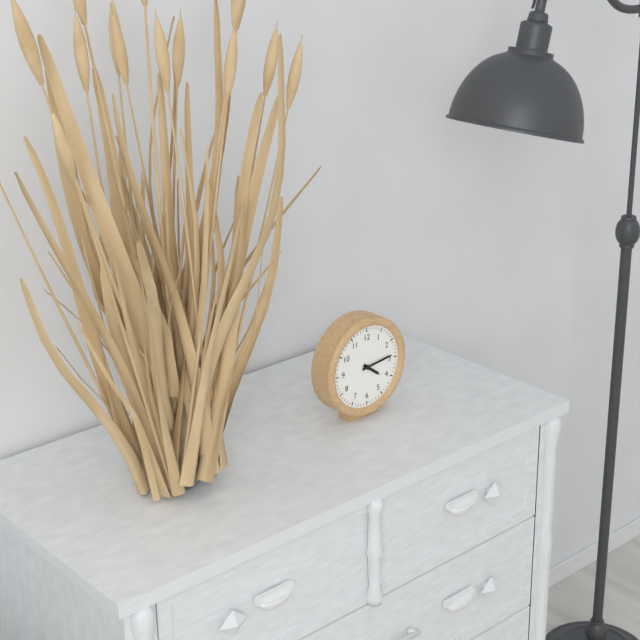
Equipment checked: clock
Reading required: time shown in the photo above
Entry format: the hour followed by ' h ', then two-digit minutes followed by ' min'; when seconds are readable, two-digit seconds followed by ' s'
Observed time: 4 h 14 min
